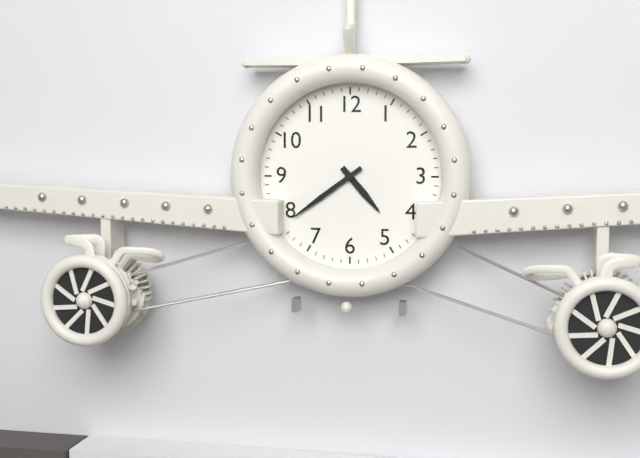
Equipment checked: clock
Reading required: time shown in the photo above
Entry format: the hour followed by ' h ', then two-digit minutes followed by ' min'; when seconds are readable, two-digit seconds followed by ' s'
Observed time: 4 h 39 min
